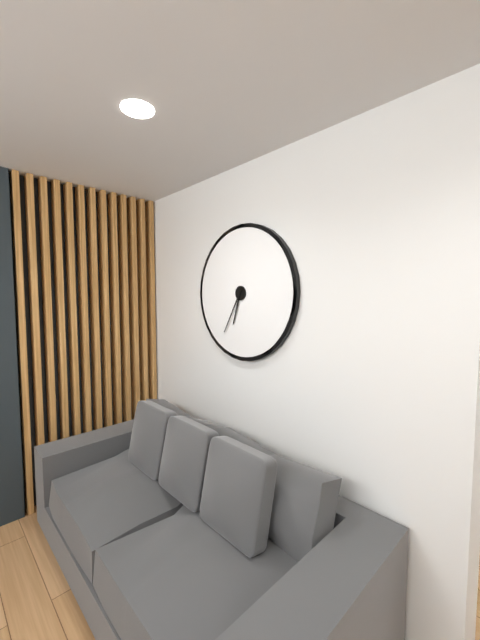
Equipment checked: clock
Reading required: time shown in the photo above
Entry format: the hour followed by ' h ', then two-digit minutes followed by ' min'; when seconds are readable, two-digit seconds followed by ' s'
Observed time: 6 h 35 min
